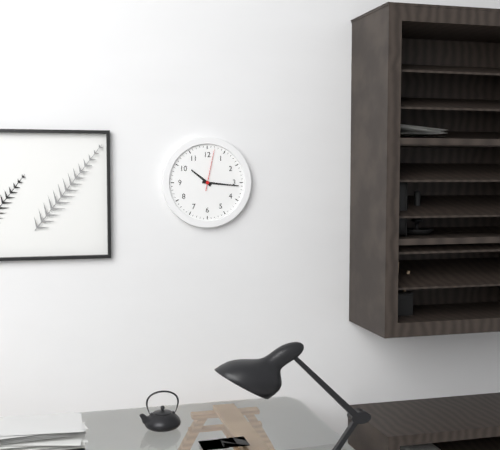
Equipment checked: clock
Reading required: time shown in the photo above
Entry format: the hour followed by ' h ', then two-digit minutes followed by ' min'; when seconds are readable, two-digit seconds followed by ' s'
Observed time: 10 h 16 min
